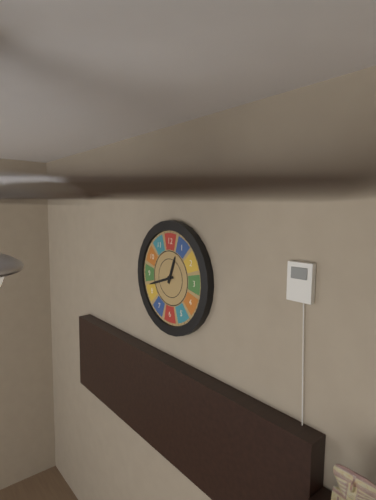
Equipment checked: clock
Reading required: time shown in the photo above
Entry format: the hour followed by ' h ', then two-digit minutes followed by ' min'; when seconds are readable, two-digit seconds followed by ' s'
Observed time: 12 h 42 min
